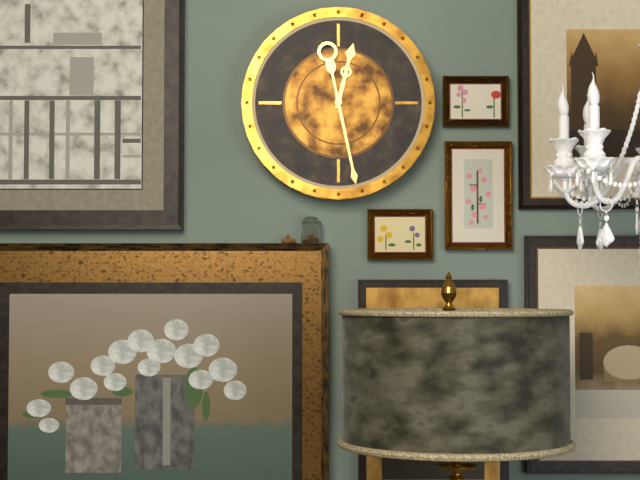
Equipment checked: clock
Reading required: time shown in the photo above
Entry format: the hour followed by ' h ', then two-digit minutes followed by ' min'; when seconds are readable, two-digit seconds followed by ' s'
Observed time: 12 h 28 min
